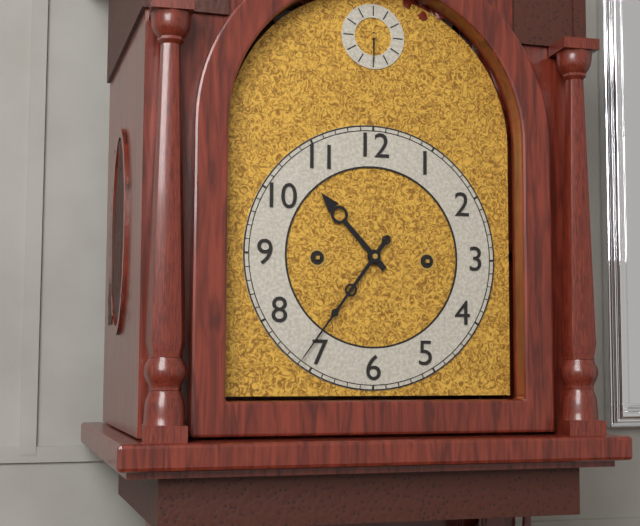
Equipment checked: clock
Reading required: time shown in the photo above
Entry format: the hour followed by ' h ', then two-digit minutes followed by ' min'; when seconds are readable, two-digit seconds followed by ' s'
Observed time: 10 h 36 min
